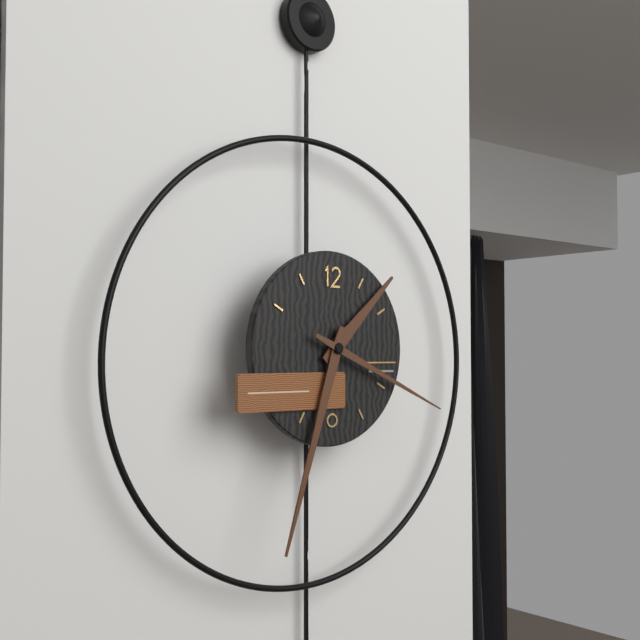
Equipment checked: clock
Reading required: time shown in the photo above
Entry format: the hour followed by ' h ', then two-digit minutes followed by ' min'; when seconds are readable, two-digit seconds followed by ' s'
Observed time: 1 h 33 min 19 s
